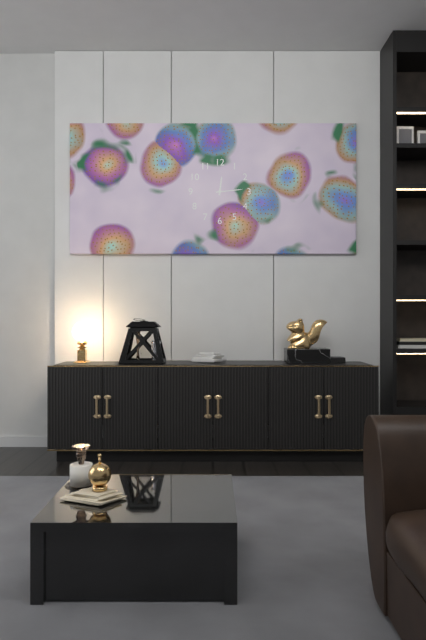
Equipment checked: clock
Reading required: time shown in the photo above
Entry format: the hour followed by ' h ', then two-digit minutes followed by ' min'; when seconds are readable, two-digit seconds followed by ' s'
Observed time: 12 h 14 min
